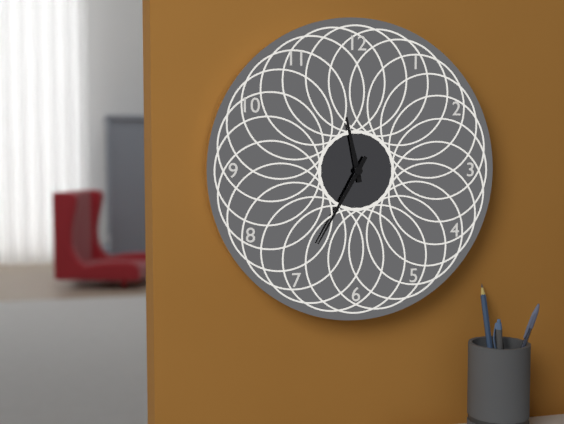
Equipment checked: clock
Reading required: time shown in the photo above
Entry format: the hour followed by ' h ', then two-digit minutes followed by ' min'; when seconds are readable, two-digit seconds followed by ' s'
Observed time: 11 h 35 min
